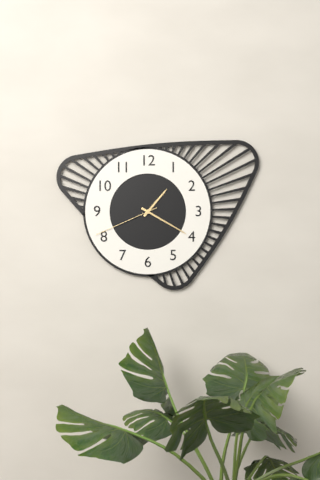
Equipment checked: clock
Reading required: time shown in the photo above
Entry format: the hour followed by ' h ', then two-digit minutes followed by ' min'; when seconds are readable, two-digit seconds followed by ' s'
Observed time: 1 h 20 min 41 s
